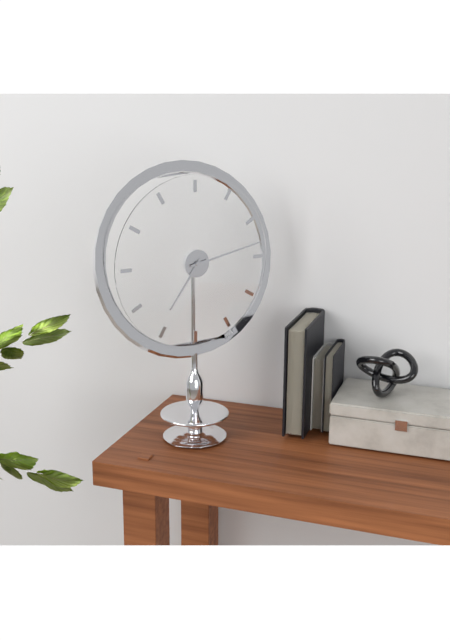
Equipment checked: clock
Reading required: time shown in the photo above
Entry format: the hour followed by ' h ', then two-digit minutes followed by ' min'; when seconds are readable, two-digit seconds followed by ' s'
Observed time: 7 h 13 min
